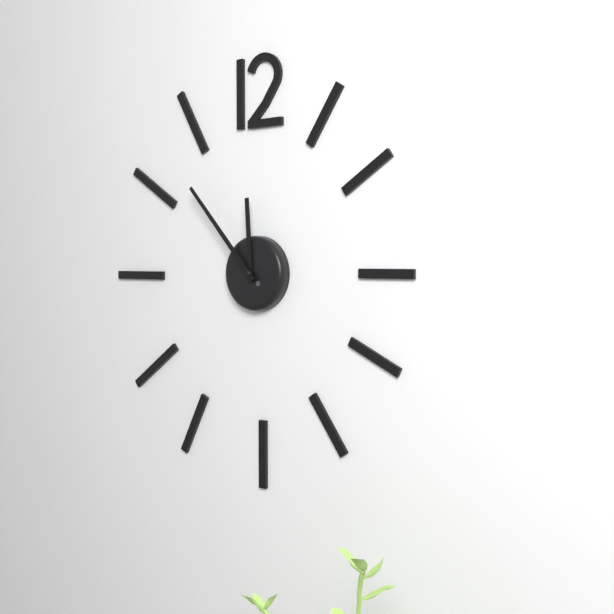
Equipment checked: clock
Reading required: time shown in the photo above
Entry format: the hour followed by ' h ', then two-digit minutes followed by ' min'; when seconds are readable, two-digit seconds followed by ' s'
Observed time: 11 h 53 min
